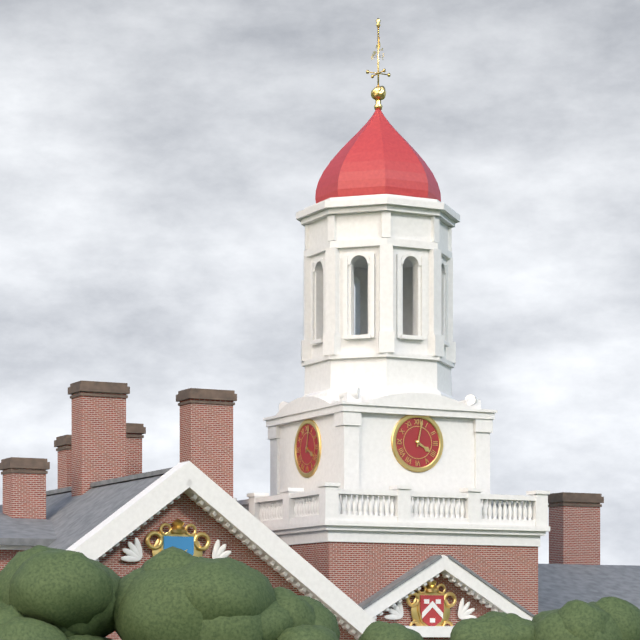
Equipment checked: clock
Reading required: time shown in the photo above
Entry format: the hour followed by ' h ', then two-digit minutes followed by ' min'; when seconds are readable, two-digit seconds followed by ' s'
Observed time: 4 h 02 min
